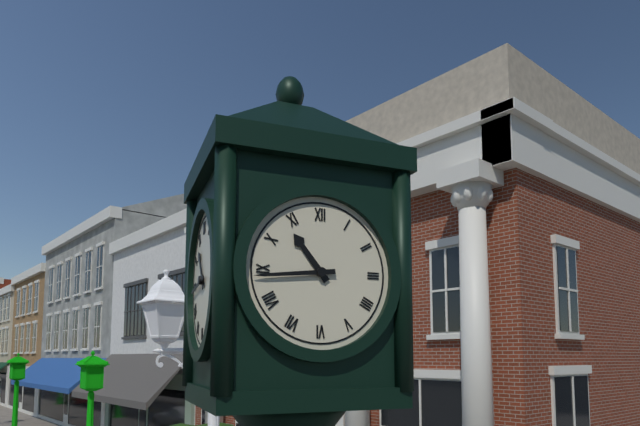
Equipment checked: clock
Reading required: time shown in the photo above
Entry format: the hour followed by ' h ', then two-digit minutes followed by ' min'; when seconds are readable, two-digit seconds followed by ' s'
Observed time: 10 h 44 min
